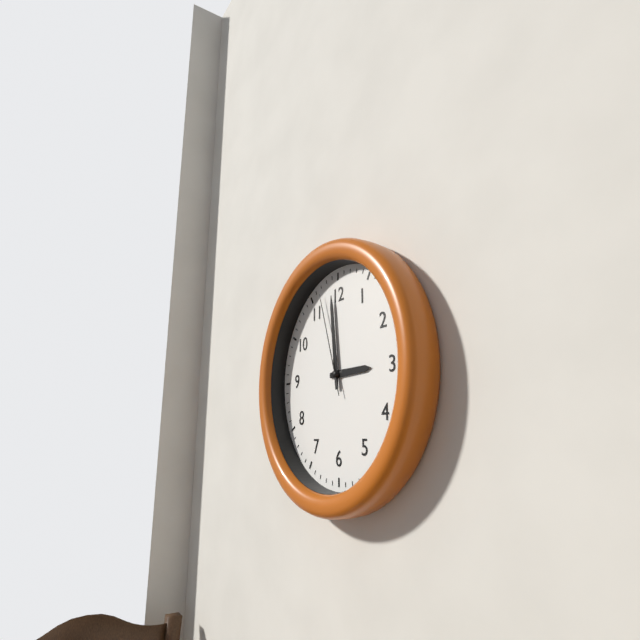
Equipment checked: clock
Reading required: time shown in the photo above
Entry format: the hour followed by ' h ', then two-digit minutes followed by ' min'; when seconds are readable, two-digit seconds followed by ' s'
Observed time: 2 h 59 min 57 s
